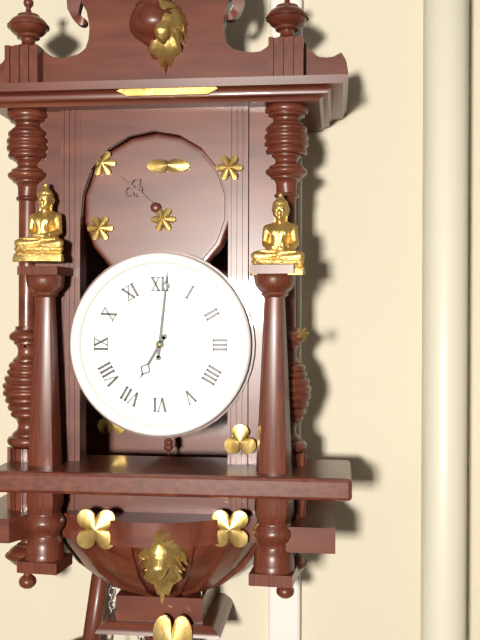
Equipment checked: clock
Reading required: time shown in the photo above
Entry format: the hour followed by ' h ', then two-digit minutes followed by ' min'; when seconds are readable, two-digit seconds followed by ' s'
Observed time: 7 h 01 min
